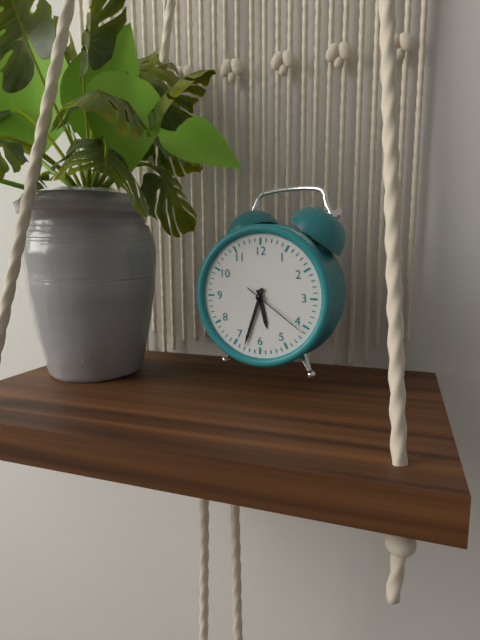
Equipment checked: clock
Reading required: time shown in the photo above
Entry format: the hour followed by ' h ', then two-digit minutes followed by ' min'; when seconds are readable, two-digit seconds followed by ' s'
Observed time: 5 h 33 min 21 s
